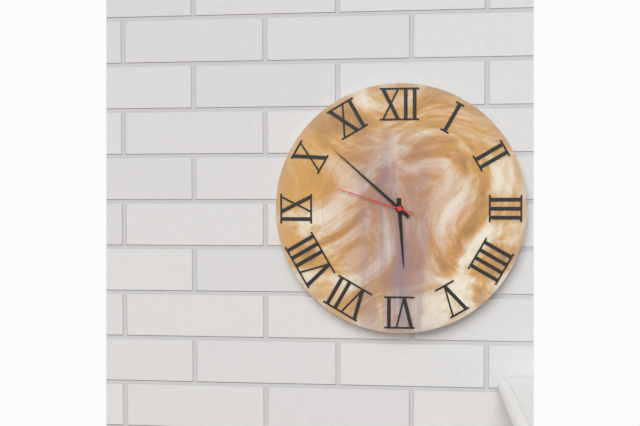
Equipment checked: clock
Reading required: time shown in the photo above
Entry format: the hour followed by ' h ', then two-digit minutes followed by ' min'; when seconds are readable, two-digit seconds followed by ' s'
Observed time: 5 h 52 min 48 s
